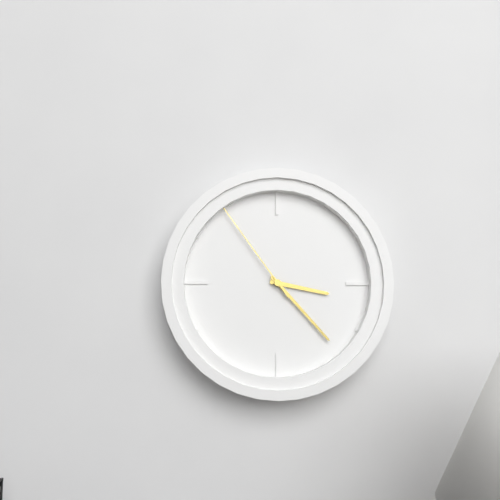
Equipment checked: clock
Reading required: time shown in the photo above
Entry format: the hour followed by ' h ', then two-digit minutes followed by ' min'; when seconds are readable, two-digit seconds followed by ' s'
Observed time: 3 h 23 min 54 s
